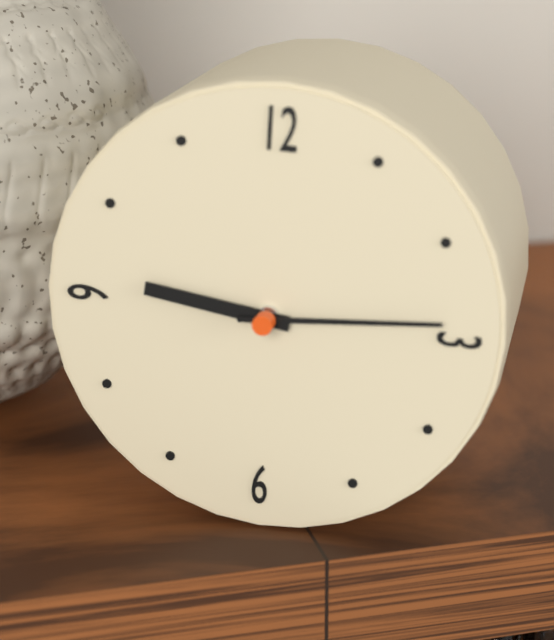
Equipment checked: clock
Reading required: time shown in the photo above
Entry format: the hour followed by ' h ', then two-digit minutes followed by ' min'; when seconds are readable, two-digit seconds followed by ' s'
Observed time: 9 h 14 min
